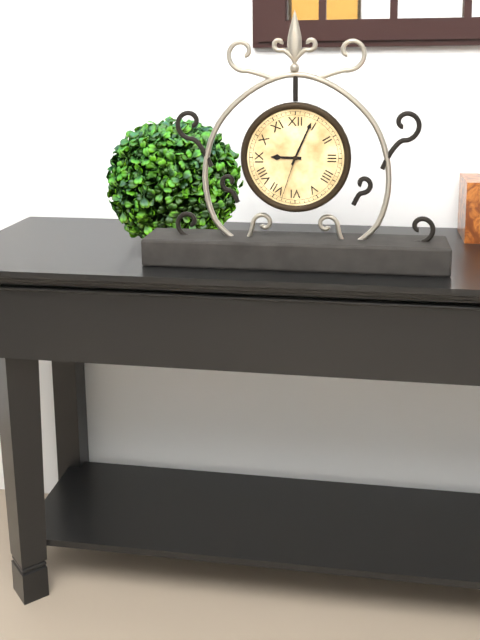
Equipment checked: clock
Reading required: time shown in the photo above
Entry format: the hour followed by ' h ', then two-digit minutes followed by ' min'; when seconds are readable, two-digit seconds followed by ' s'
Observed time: 9 h 04 min 33 s
